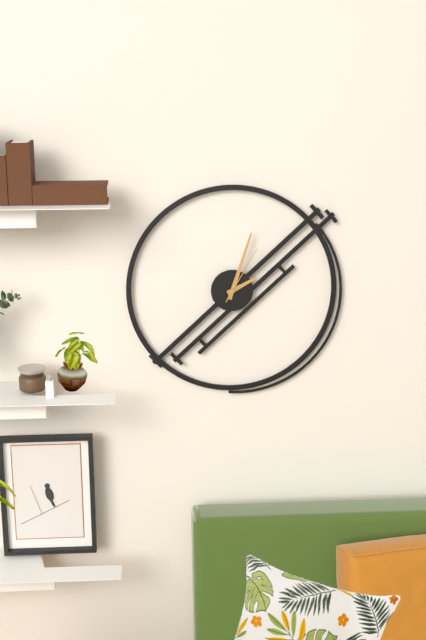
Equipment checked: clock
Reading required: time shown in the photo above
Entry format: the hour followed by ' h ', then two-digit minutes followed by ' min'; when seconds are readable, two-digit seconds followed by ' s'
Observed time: 2 h 03 min 05 s
